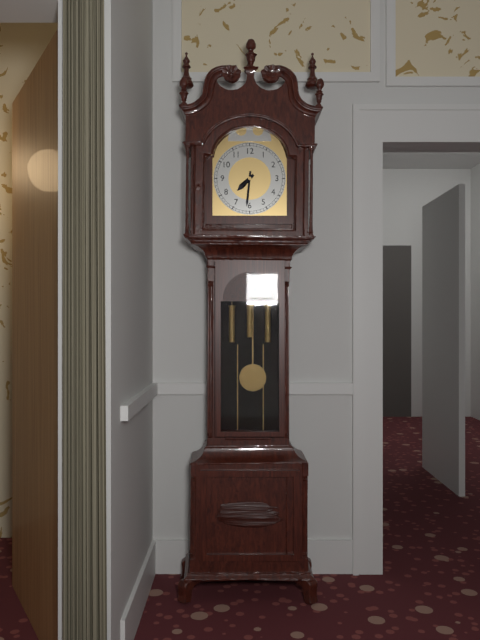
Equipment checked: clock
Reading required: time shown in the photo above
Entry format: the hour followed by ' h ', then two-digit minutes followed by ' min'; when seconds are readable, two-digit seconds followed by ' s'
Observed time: 7 h 31 min
